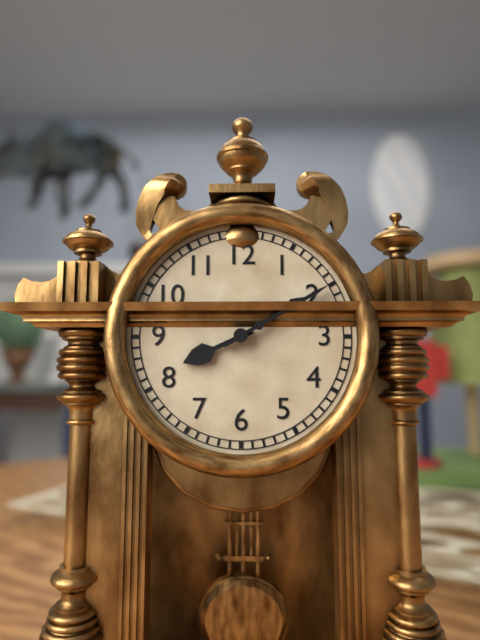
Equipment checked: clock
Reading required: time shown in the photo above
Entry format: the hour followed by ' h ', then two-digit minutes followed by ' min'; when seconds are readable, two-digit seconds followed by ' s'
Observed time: 8 h 10 min
